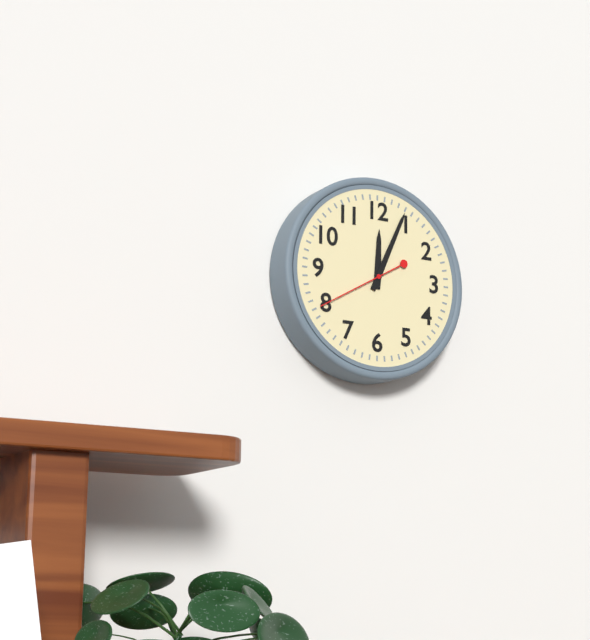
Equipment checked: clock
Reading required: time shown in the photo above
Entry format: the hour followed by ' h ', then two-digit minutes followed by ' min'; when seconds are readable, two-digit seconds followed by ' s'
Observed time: 12 h 04 min 40 s
